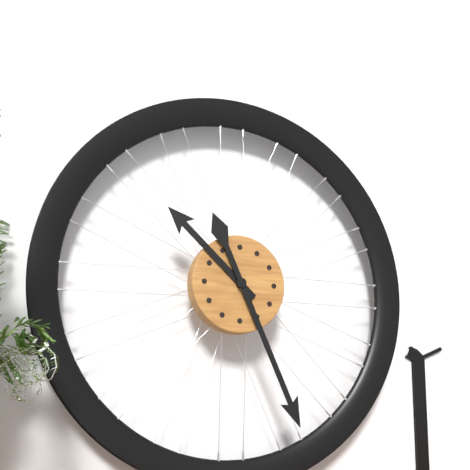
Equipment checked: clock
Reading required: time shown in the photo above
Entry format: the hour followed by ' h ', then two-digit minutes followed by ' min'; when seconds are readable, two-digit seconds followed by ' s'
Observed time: 10 h 26 min
